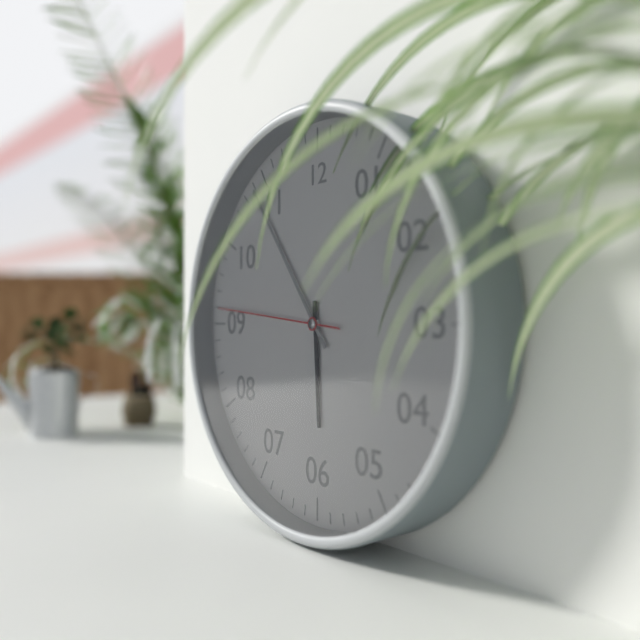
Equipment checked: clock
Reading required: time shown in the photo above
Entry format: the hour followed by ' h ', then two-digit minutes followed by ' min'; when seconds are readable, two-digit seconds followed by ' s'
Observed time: 5 h 54 min 46 s
